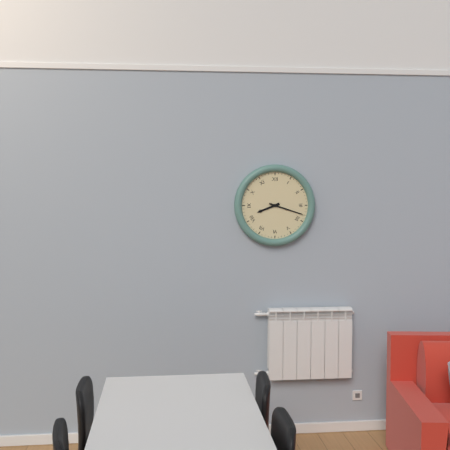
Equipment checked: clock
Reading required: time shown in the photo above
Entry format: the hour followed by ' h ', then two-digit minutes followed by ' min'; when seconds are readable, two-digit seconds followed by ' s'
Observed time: 8 h 18 min
